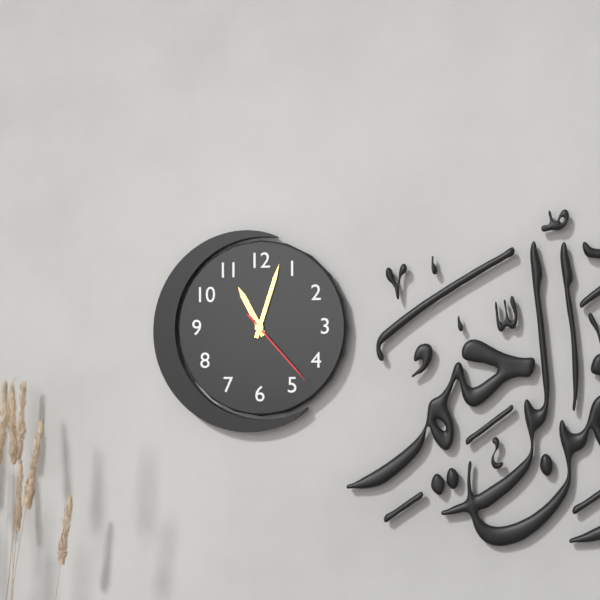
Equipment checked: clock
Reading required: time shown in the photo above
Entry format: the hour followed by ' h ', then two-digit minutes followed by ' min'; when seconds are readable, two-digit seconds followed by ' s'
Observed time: 11 h 03 min 23 s
